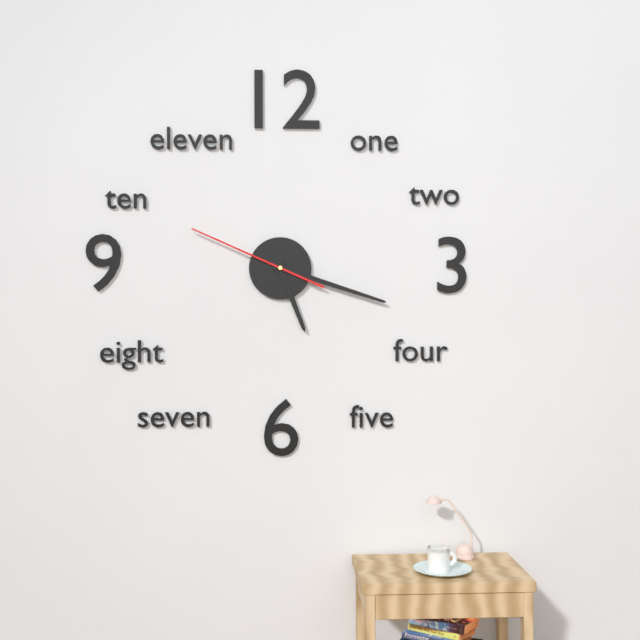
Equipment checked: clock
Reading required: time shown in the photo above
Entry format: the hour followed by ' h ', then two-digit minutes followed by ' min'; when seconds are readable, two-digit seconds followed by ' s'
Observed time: 5 h 18 min 49 s
